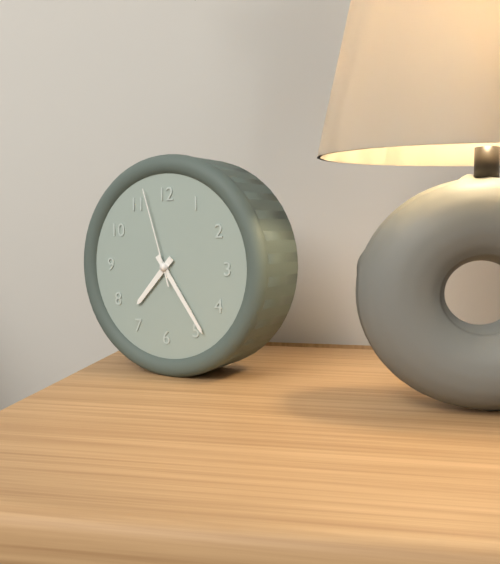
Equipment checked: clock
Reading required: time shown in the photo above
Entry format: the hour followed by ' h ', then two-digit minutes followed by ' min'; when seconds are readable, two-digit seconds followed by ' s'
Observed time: 7 h 24 min 57 s
